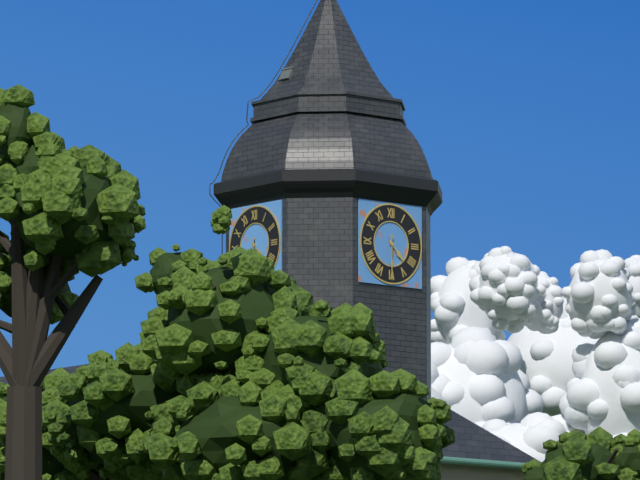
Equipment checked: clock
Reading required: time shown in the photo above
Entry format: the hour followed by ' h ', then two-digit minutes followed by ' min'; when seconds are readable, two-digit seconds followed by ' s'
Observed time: 4 h 30 min
